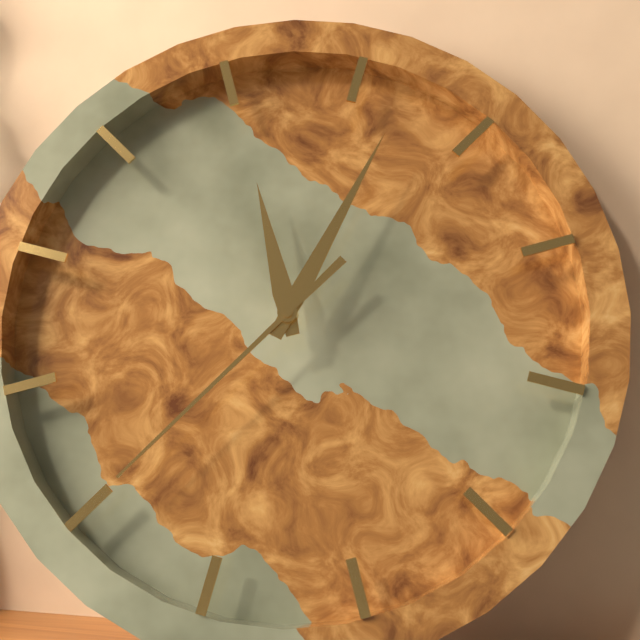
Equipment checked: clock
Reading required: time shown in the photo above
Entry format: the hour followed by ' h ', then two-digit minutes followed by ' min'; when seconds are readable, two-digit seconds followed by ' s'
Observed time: 11 h 02 min 35 s
